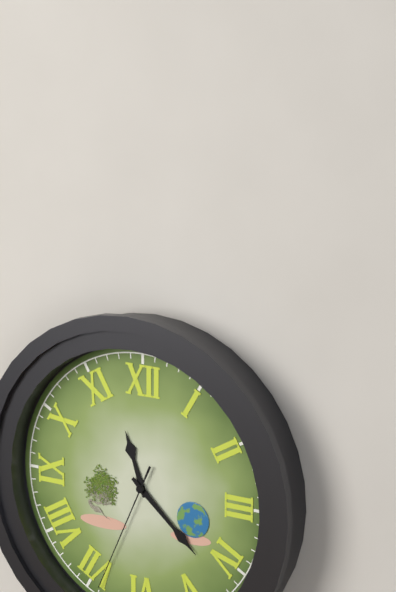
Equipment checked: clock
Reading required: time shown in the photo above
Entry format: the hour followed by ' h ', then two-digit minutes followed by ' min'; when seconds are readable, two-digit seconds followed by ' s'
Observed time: 11 h 22 min 34 s
